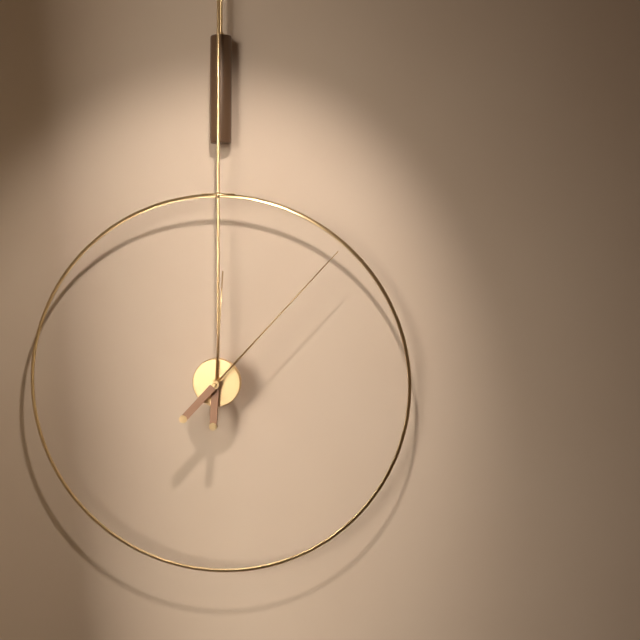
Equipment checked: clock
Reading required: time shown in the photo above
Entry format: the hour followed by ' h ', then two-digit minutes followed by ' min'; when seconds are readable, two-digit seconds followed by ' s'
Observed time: 12 h 07 min
